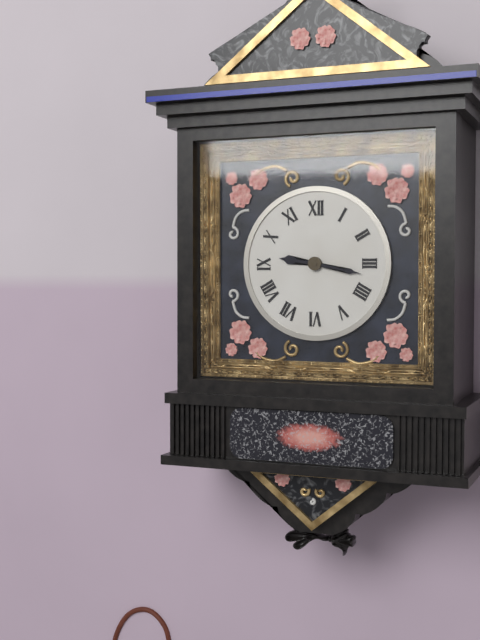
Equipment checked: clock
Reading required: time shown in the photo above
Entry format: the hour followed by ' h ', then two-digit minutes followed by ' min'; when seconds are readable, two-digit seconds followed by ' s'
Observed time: 9 h 17 min
